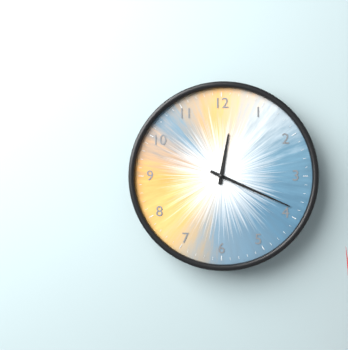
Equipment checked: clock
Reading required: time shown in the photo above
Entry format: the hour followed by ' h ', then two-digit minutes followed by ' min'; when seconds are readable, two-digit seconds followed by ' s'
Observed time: 12 h 19 min
